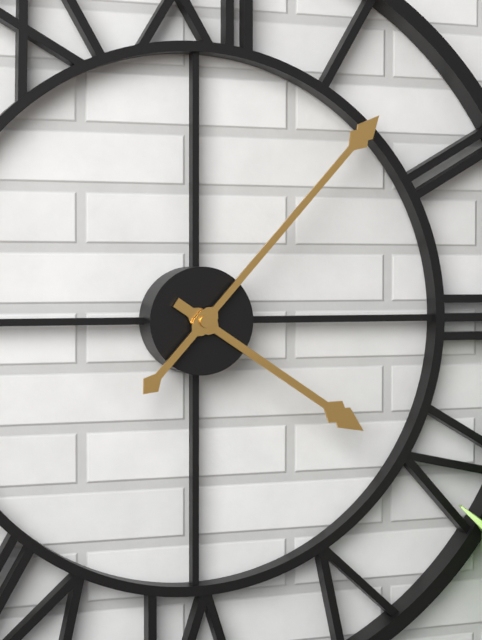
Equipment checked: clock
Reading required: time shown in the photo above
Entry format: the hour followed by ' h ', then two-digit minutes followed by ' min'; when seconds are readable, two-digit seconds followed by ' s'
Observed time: 4 h 07 min
